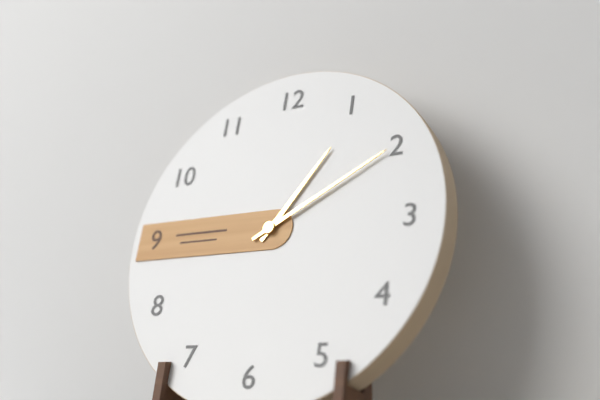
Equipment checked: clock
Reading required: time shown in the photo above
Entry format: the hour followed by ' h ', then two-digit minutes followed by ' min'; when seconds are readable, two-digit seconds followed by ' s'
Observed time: 1 h 10 min
